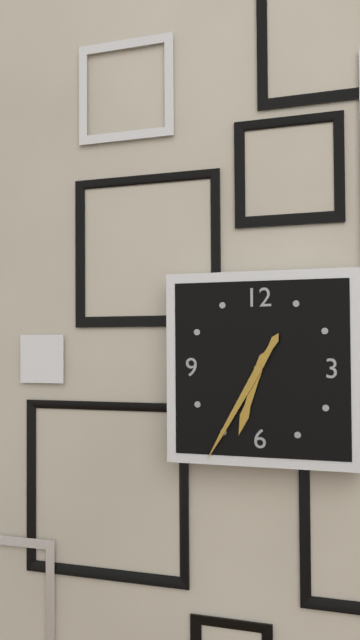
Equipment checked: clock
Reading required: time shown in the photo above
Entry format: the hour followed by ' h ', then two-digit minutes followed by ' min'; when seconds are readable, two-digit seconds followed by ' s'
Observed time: 6 h 35 min
